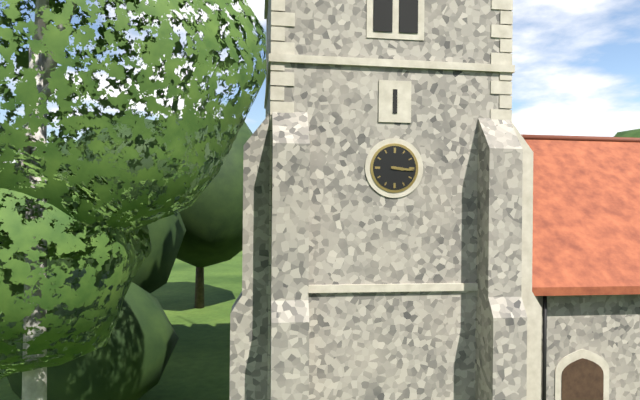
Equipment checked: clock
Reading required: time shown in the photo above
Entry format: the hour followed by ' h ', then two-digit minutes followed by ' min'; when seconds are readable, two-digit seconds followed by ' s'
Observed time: 3 h 16 min
